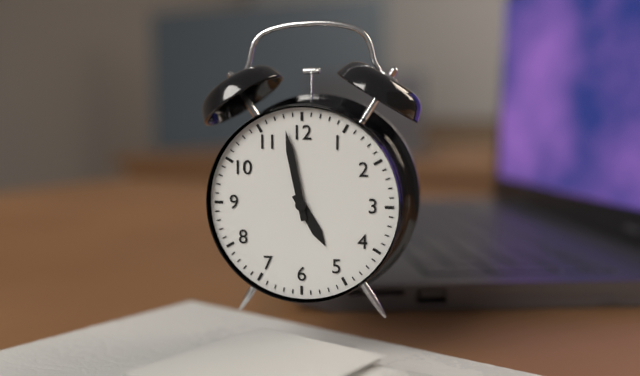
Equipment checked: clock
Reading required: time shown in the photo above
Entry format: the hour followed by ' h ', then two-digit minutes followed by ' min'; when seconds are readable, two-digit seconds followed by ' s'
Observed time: 4 h 58 min
